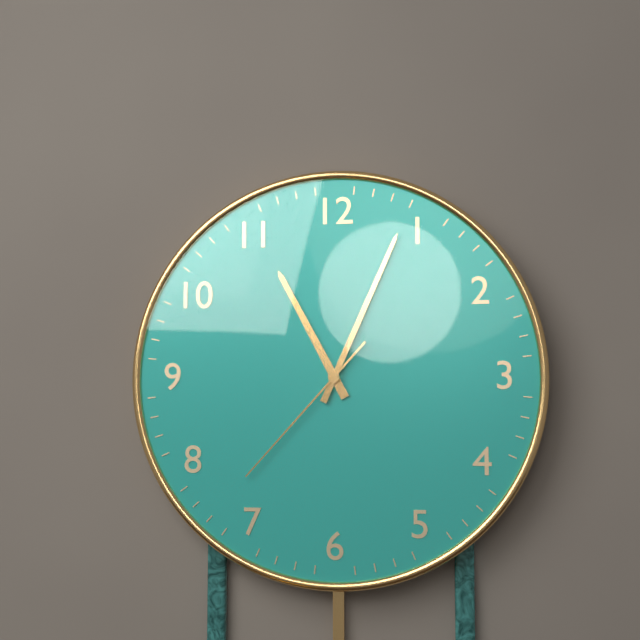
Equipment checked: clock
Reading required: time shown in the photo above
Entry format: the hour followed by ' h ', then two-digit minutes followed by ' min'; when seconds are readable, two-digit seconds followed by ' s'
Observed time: 11 h 04 min 37 s
